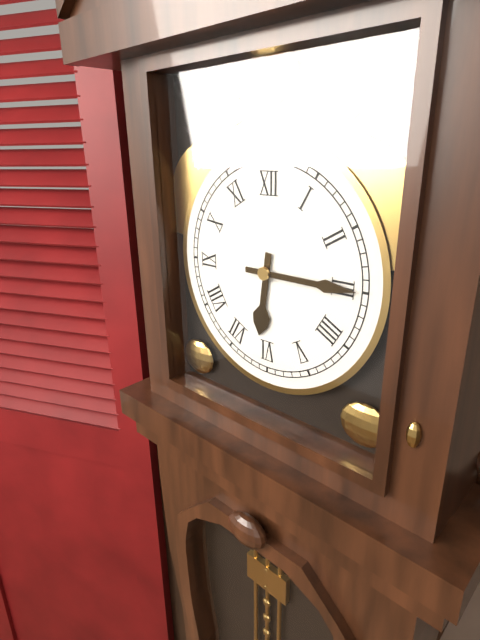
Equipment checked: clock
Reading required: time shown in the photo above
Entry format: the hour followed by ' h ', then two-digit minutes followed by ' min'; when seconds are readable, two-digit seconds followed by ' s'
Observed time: 6 h 15 min
